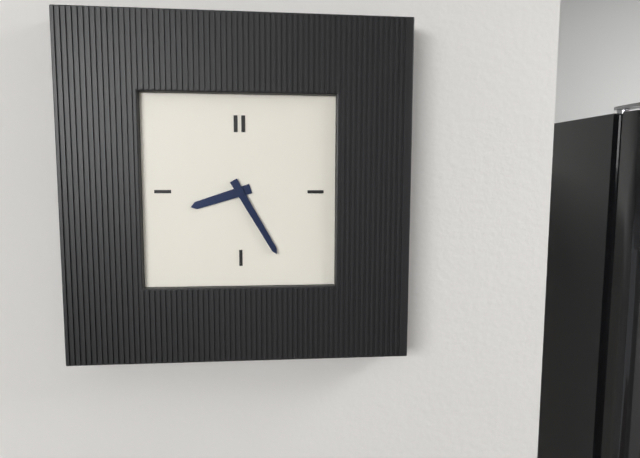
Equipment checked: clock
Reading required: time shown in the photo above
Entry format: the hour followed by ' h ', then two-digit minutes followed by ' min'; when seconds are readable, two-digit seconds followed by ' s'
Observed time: 8 h 25 min
